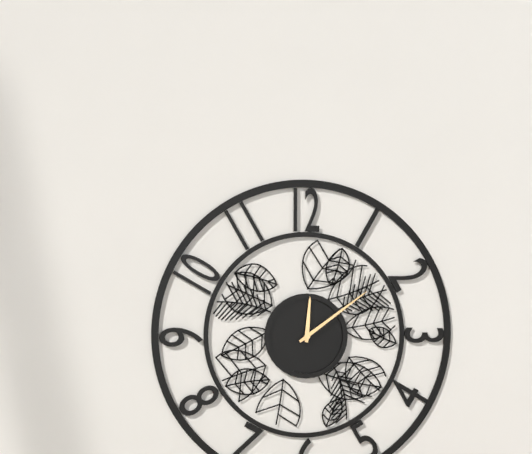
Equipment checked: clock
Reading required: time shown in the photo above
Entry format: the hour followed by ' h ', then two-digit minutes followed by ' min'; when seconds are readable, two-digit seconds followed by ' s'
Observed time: 12 h 09 min
